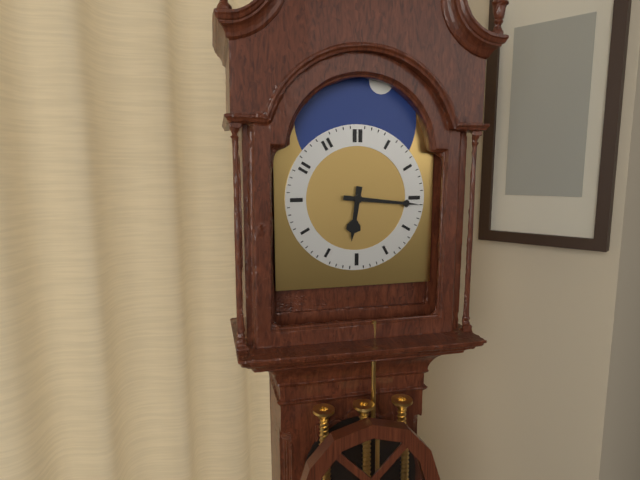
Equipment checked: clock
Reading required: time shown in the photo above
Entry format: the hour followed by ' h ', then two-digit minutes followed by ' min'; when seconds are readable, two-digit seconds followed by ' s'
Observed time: 6 h 16 min
